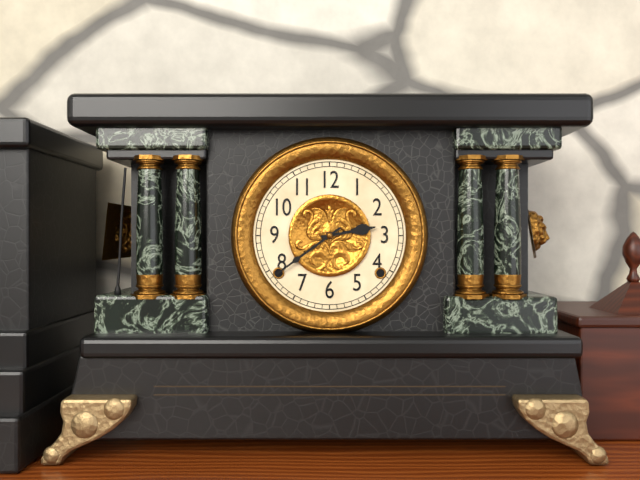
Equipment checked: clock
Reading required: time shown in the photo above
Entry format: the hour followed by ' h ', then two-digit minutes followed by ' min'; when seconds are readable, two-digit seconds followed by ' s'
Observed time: 2 h 39 min
